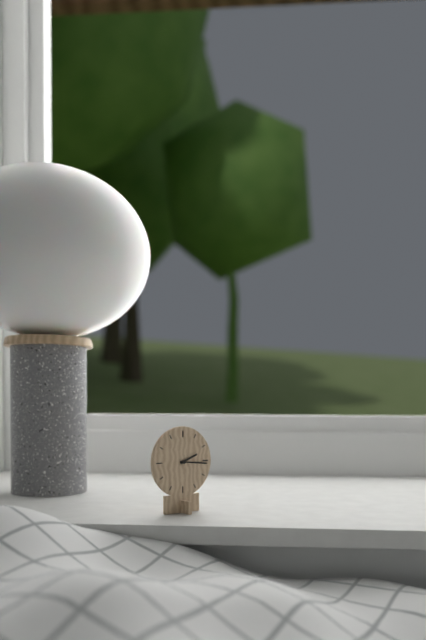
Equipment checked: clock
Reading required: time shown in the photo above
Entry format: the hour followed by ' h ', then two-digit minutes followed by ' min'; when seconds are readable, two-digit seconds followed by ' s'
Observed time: 2 h 16 min
